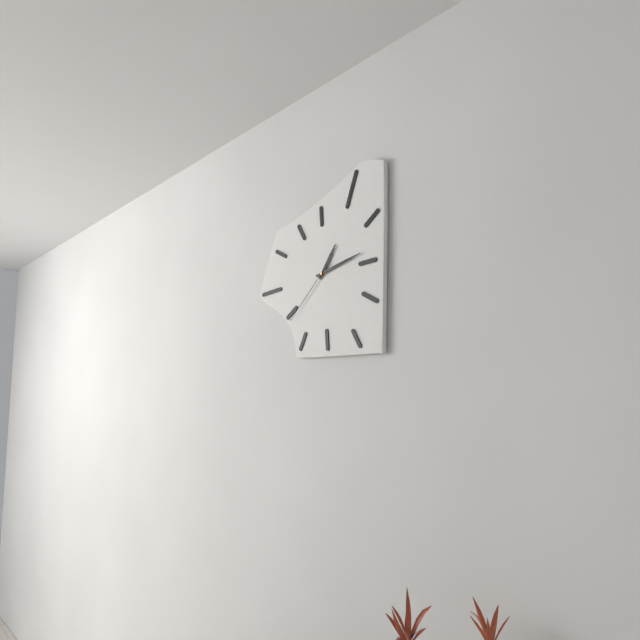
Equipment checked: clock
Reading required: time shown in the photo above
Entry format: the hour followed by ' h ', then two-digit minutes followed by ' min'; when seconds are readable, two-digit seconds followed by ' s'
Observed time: 1 h 13 min 38 s
